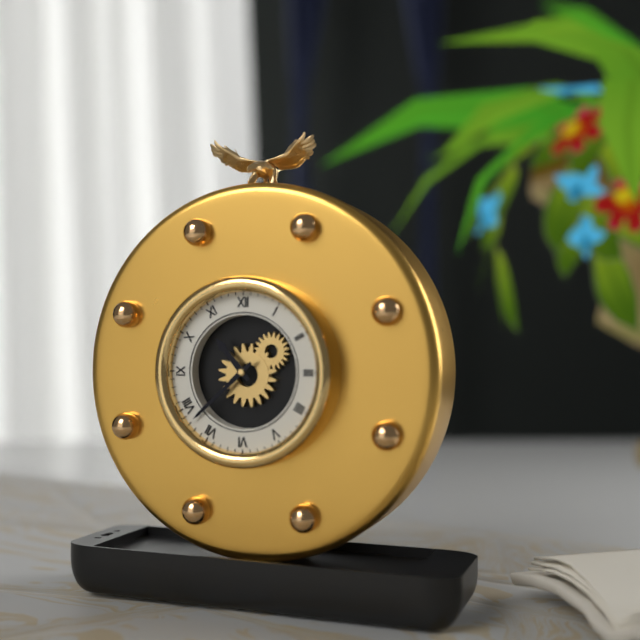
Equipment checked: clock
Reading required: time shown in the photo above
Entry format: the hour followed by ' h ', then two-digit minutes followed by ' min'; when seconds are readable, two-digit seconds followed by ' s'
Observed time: 10 h 38 min
